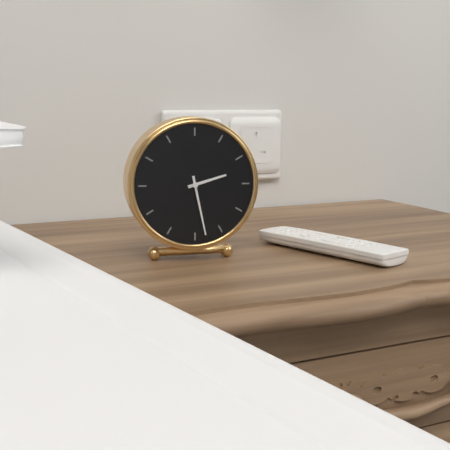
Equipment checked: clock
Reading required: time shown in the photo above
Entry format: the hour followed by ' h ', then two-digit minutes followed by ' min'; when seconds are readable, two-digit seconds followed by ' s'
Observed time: 2 h 28 min
